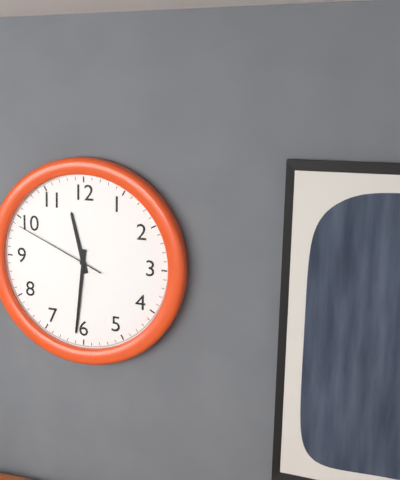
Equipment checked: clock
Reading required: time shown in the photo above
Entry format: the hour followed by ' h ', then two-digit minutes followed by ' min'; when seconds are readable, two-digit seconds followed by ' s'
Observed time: 11 h 31 min 49 s
